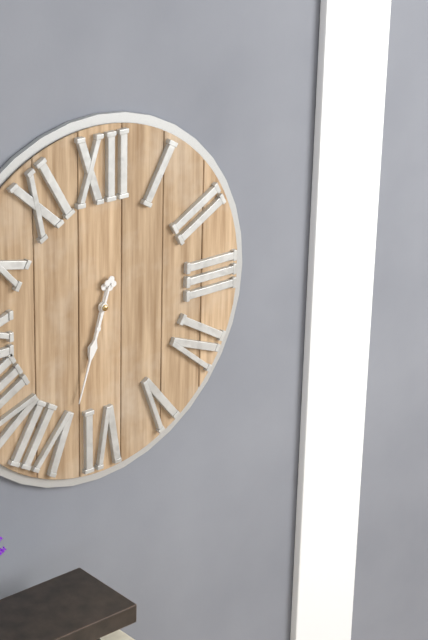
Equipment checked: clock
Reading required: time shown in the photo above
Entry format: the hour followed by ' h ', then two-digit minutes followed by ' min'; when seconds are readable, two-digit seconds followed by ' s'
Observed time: 6 h 33 min
